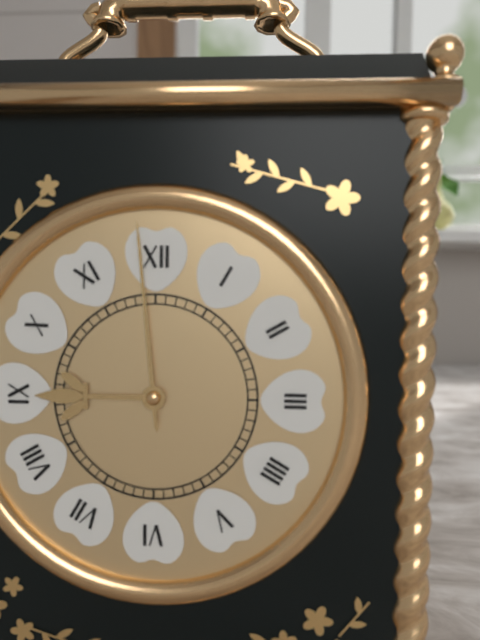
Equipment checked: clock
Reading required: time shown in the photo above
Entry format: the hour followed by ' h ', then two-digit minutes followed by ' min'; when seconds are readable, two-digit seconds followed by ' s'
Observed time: 8 h 59 min
